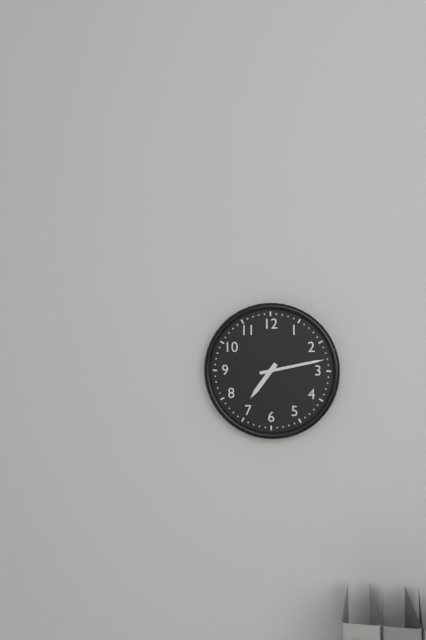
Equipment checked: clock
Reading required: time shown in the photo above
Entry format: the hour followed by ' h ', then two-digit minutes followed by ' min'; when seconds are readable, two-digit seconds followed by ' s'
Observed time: 7 h 13 min
